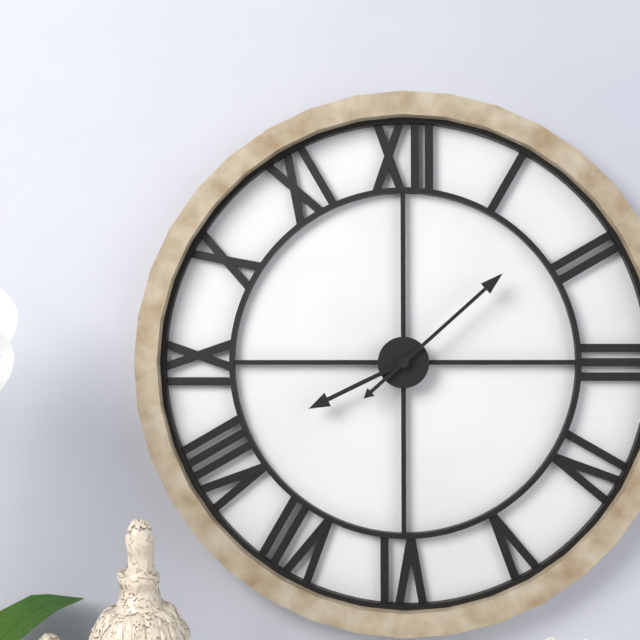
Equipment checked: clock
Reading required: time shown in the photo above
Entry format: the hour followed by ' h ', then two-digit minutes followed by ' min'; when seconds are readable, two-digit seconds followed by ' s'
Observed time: 8 h 08 min
